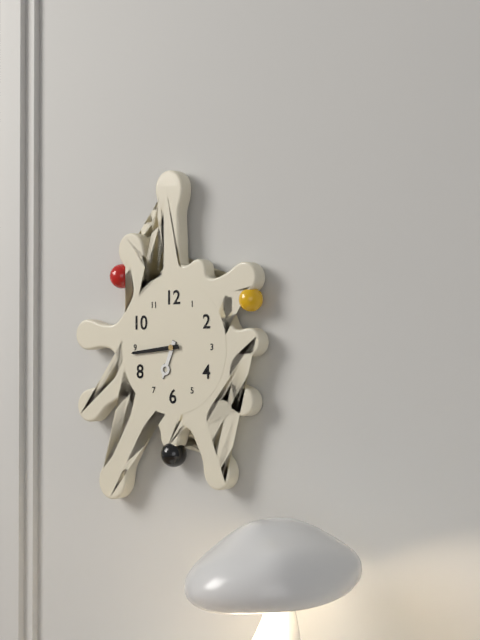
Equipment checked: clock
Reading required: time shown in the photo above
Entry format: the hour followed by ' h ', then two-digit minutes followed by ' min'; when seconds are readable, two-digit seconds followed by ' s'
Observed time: 6 h 44 min
